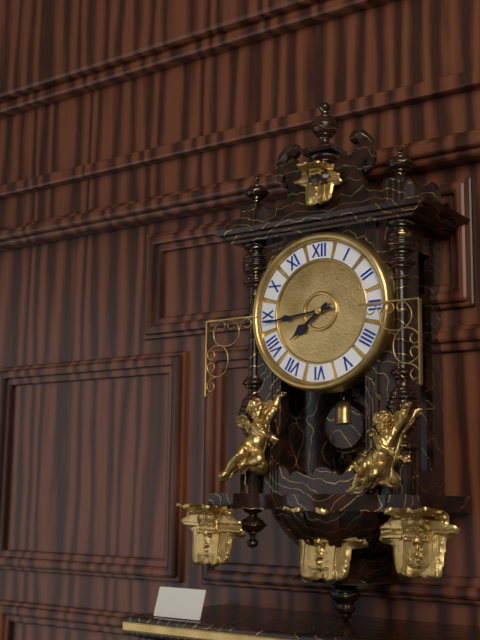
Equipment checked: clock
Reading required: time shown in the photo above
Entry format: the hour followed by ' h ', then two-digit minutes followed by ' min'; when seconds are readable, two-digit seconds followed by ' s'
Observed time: 7 h 44 min
